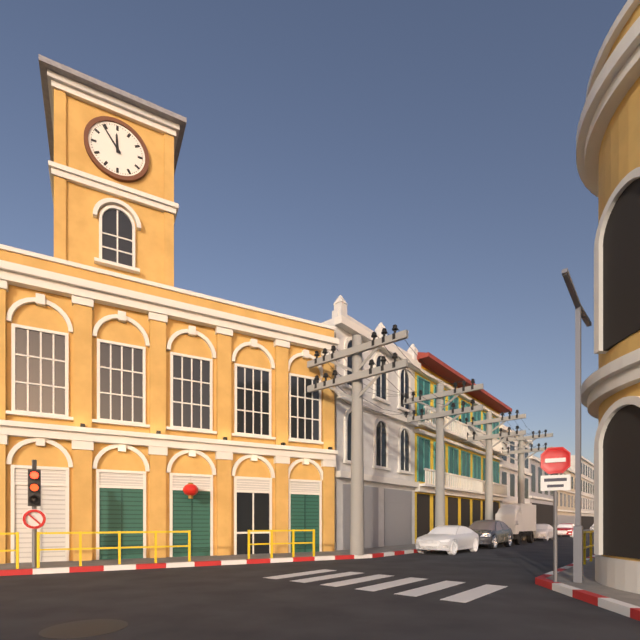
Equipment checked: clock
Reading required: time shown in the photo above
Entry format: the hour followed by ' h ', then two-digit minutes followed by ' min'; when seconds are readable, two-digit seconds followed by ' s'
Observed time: 11 h 54 min
